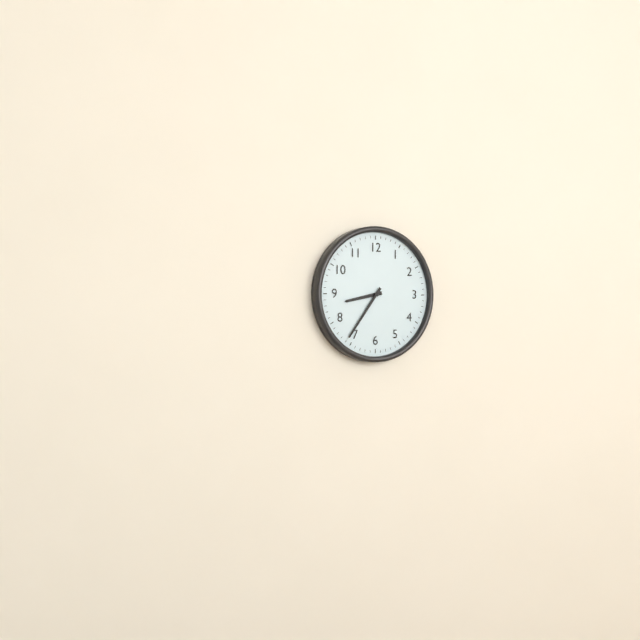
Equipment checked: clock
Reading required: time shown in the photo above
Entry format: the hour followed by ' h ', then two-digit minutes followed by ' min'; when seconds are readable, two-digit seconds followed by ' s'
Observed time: 8 h 36 min
